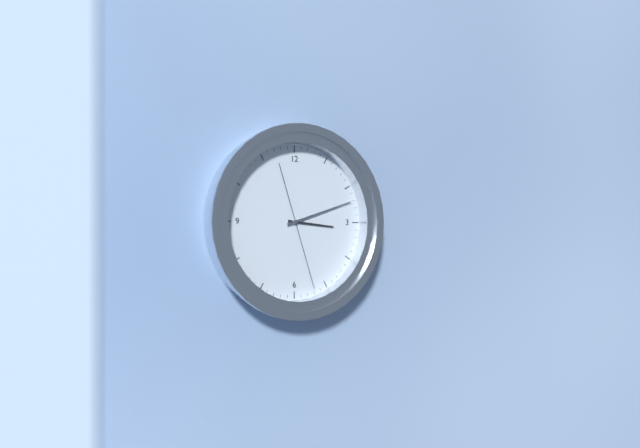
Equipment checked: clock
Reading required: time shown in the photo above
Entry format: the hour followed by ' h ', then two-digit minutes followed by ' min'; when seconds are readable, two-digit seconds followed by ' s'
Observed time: 3 h 12 min 27 s
